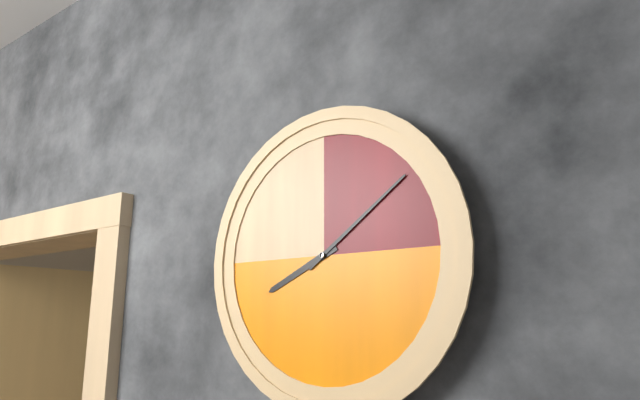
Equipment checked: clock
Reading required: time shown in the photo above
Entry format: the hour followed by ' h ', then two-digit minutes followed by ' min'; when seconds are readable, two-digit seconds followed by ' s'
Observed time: 8 h 09 min
